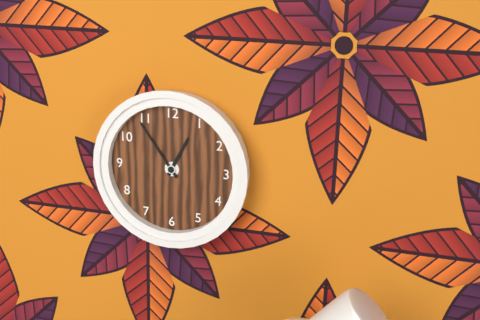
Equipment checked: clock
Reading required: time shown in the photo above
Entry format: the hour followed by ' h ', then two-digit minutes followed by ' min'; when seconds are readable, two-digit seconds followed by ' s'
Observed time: 12 h 54 min
